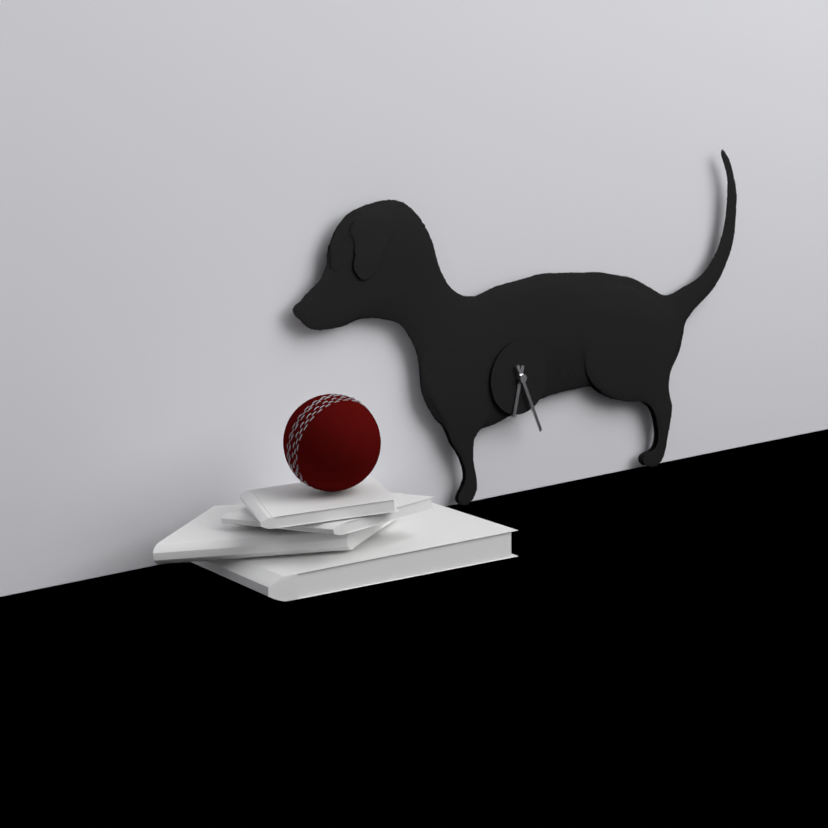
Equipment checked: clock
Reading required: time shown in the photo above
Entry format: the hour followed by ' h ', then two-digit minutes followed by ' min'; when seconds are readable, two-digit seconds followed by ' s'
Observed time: 6 h 26 min
